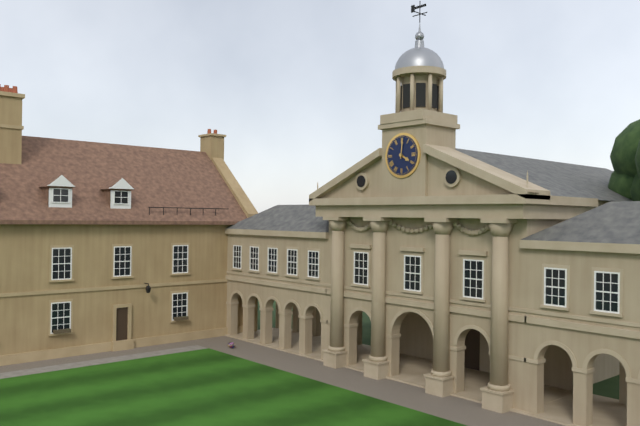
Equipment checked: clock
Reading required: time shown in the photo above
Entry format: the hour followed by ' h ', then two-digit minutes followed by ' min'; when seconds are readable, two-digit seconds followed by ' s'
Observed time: 4 h 01 min
